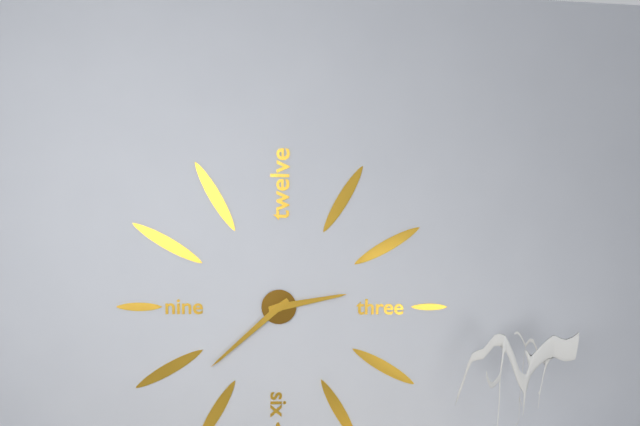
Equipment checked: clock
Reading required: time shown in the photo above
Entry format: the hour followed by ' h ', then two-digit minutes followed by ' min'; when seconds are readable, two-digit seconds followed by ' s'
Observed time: 2 h 38 min
